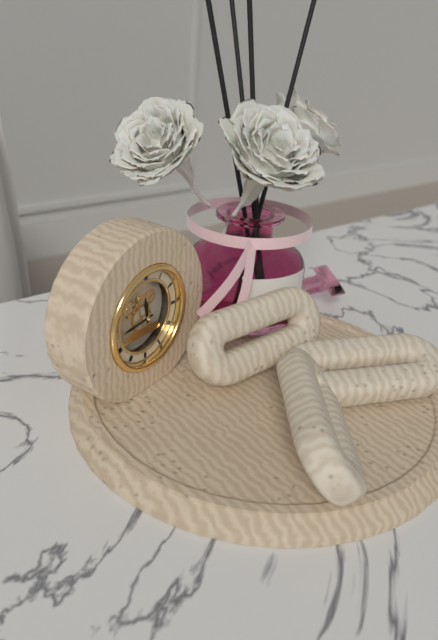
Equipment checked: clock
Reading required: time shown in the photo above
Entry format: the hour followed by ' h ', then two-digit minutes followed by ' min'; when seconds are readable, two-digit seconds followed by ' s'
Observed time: 11 h 44 min
